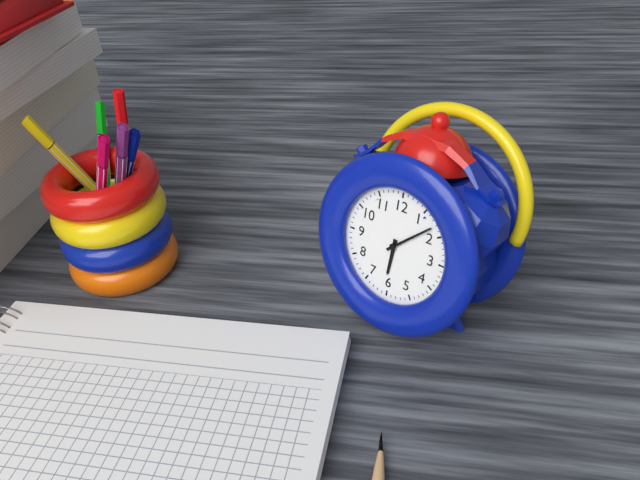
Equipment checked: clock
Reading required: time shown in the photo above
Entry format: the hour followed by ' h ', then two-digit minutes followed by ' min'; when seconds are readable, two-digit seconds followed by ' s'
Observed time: 6 h 08 min
